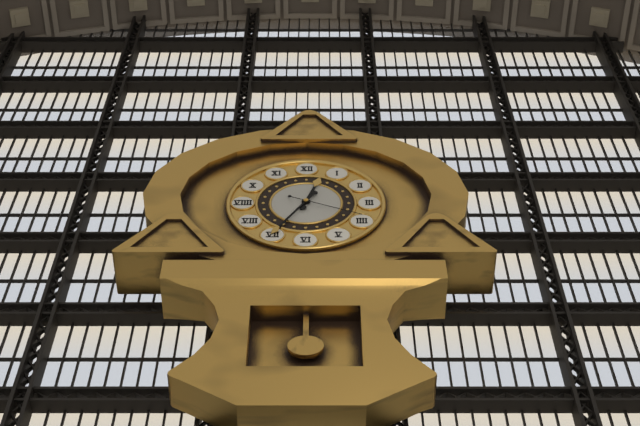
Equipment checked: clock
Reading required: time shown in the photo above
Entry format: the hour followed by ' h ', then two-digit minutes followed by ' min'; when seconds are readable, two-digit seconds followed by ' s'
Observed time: 12 h 35 min 19 s
